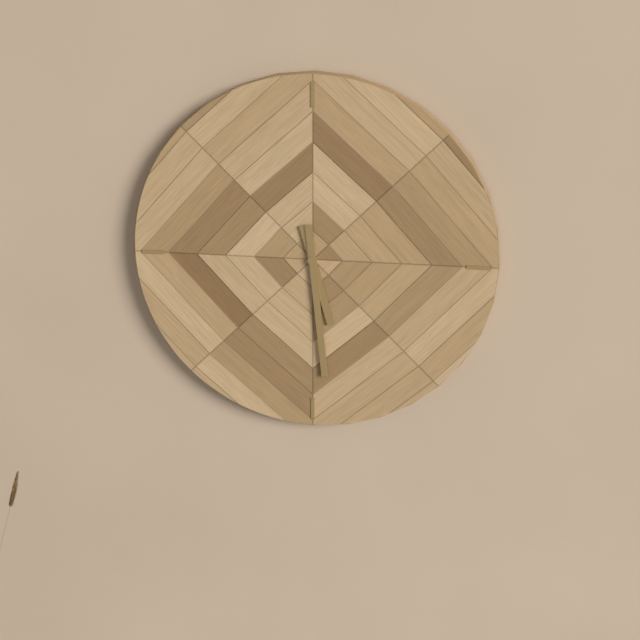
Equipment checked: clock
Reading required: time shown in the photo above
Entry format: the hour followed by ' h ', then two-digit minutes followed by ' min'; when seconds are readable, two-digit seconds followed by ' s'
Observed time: 5 h 29 min
